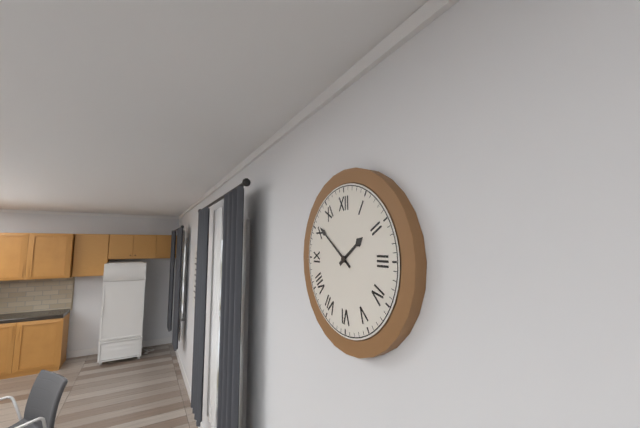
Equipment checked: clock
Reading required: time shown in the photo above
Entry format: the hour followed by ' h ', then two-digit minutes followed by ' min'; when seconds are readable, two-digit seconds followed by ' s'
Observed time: 1 h 51 min
